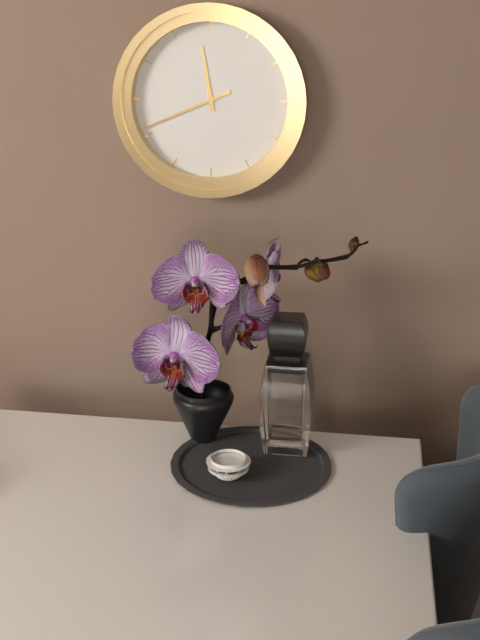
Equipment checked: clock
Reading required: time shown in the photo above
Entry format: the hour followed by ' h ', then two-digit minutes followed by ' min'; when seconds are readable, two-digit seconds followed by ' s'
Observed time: 11 h 41 min
